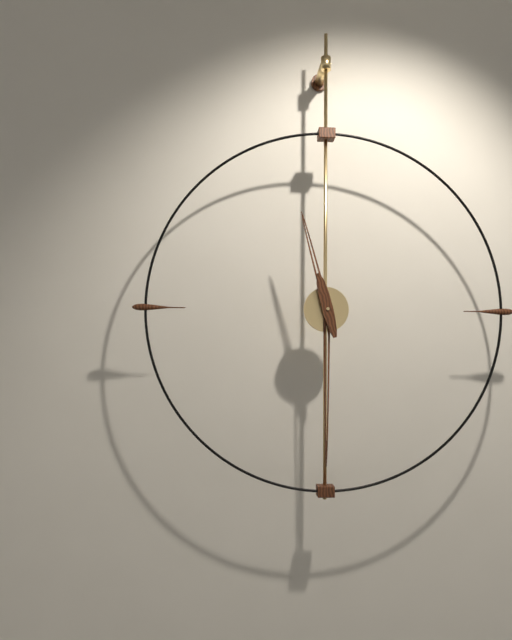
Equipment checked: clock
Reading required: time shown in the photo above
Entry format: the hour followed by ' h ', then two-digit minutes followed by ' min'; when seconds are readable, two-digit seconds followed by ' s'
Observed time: 11 h 30 min
